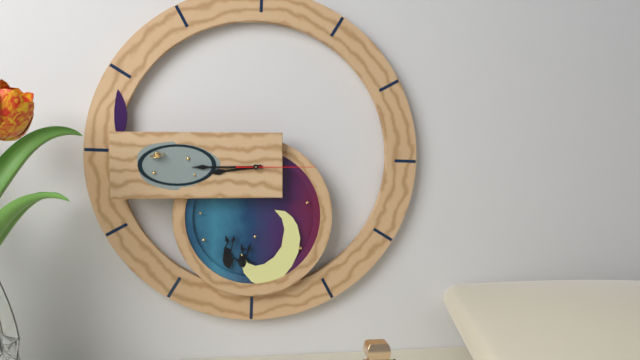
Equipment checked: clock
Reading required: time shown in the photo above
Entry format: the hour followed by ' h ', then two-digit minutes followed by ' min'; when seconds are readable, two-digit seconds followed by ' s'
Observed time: 8 h 45 min 15 s
